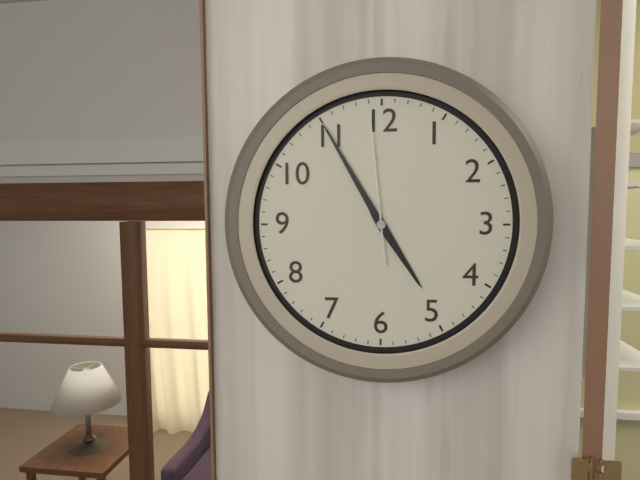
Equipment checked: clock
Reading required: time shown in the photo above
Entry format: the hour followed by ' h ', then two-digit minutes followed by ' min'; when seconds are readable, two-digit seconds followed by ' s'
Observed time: 4 h 55 min 59 s
